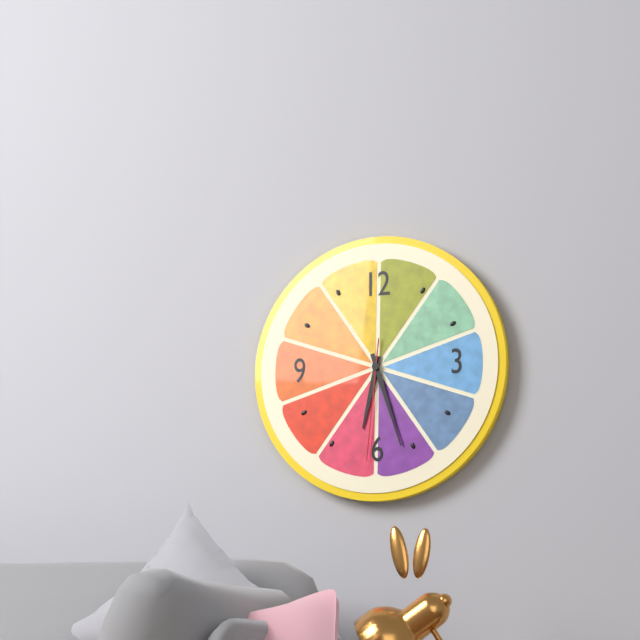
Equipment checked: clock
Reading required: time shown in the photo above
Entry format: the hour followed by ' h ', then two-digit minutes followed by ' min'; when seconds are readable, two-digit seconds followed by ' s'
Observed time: 6 h 27 min 31 s
